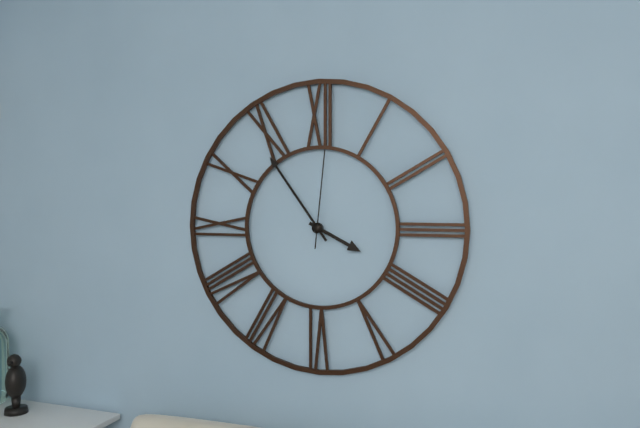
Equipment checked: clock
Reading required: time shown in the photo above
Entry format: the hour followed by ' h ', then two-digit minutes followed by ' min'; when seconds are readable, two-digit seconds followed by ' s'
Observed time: 3 h 54 min 01 s
